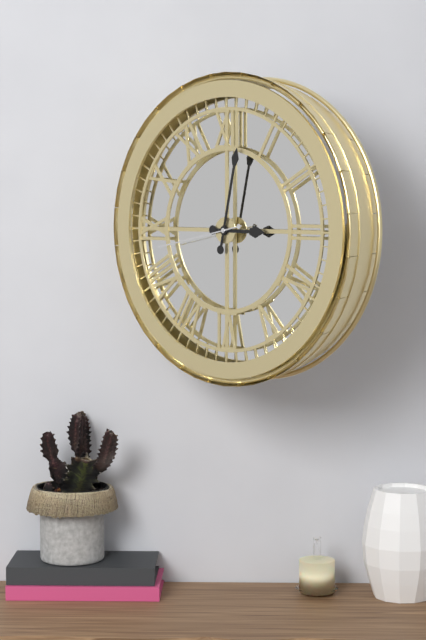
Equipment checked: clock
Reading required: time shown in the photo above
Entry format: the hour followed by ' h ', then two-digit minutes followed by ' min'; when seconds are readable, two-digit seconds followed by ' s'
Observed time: 3 h 02 min 43 s
